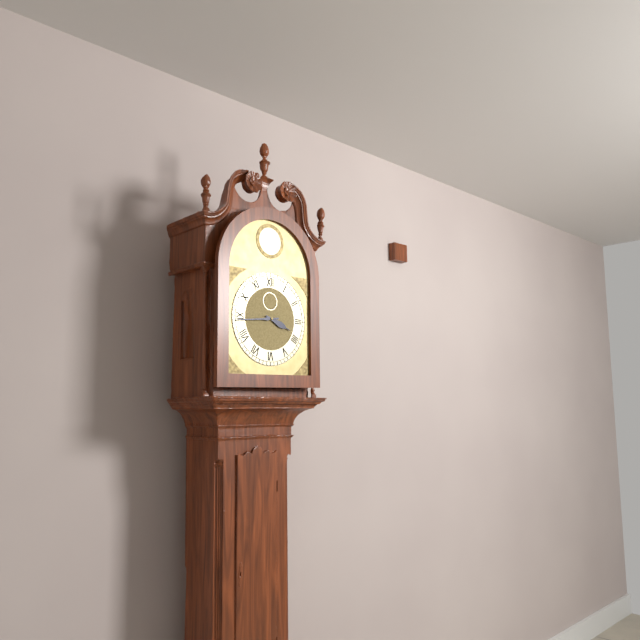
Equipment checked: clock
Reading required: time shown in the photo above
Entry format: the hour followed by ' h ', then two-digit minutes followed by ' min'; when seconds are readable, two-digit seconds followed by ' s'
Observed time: 3 h 44 min
